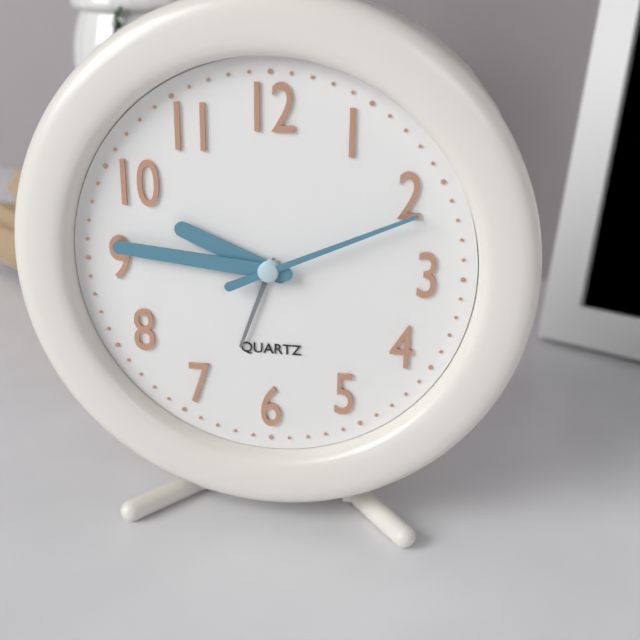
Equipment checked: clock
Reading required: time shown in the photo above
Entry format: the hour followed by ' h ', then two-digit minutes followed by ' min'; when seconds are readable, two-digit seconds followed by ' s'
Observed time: 9 h 46 min 11 s
